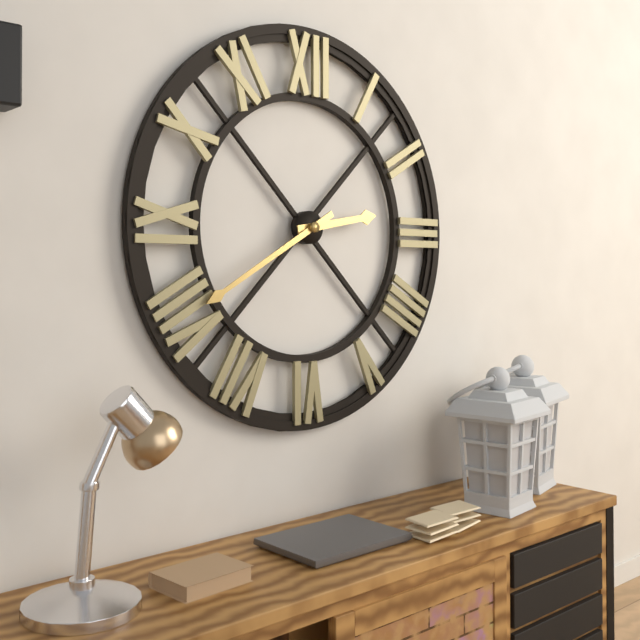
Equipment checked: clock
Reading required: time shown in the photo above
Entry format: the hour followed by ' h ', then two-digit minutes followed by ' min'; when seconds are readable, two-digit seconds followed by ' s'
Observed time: 2 h 40 min
